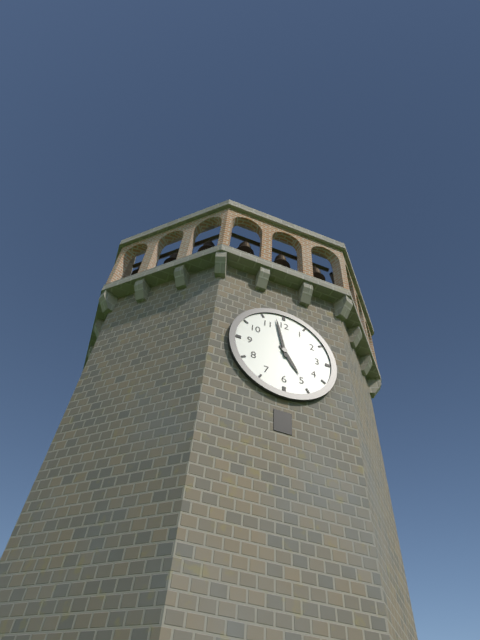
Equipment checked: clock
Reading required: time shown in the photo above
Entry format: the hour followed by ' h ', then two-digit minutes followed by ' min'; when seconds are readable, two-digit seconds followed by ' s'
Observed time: 4 h 58 min
